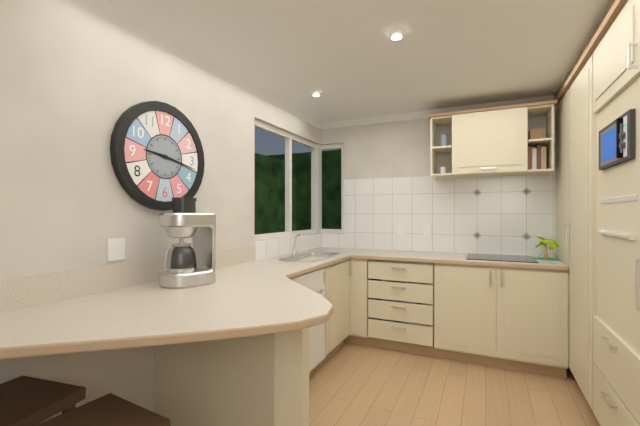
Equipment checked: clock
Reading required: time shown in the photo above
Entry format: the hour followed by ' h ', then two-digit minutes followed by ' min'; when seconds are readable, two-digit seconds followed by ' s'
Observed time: 9 h 17 min
